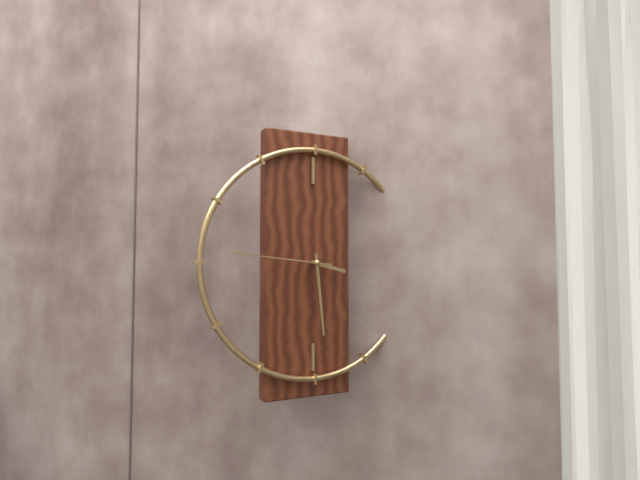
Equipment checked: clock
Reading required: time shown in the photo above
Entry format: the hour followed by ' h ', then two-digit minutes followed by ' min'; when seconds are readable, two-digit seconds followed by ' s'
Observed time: 3 h 29 min 46 s
